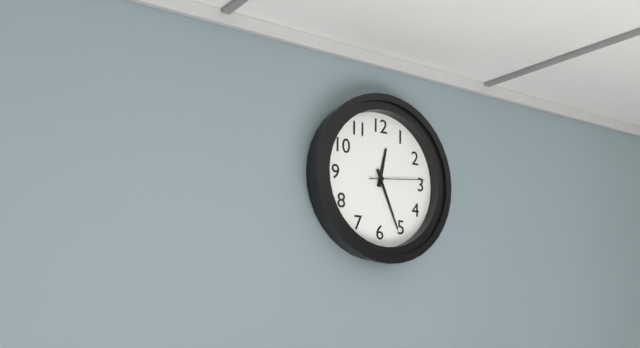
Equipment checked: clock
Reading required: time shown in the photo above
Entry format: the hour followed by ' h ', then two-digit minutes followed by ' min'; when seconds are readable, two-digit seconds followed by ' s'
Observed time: 12 h 26 min 14 s
